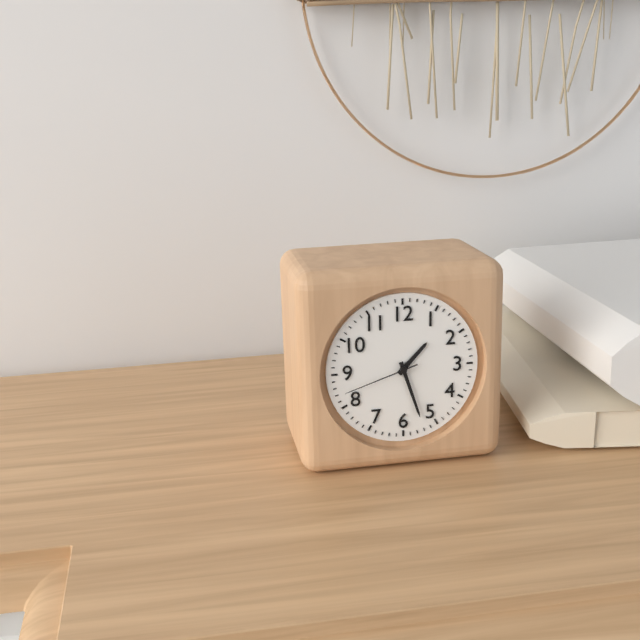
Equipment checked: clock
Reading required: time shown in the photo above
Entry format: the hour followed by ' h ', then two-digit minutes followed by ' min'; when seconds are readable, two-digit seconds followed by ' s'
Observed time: 1 h 27 min 42 s
